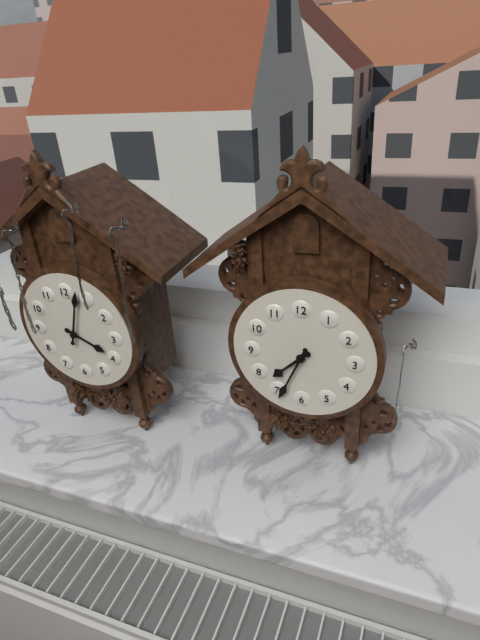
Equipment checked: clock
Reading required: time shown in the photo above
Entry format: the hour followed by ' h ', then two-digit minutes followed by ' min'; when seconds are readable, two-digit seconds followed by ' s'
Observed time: 7 h 34 min
